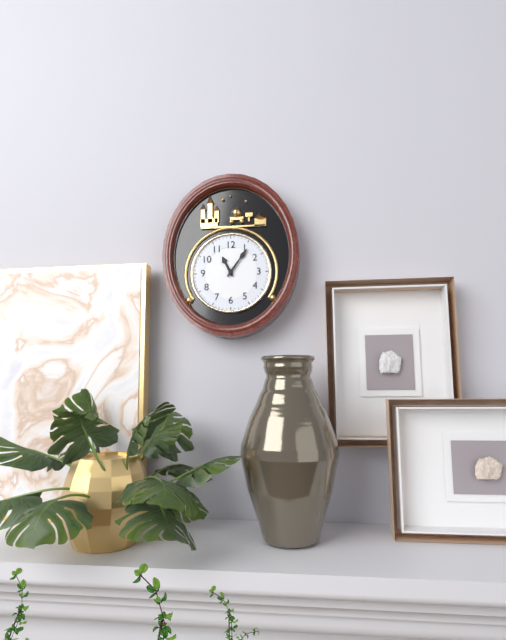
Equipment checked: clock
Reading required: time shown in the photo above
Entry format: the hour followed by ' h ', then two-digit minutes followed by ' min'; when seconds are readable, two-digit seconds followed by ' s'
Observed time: 11 h 06 min
